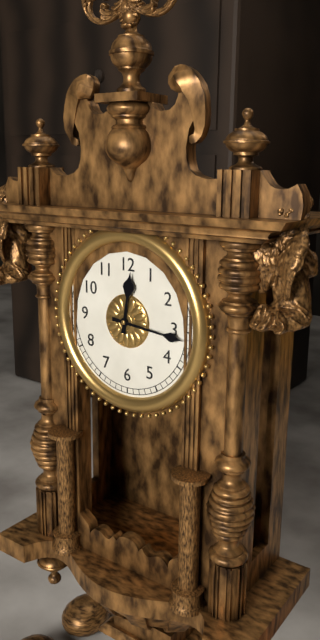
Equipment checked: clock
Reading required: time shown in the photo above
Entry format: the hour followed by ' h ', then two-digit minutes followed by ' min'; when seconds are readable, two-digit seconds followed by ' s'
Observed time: 12 h 16 min
